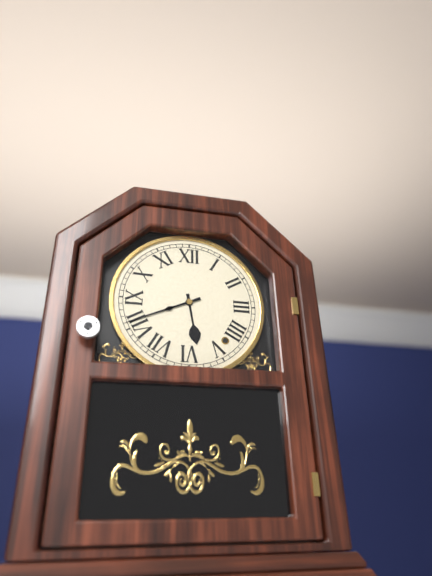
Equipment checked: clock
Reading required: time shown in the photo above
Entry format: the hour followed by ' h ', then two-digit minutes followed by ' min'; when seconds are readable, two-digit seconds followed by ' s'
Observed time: 5 h 41 min
